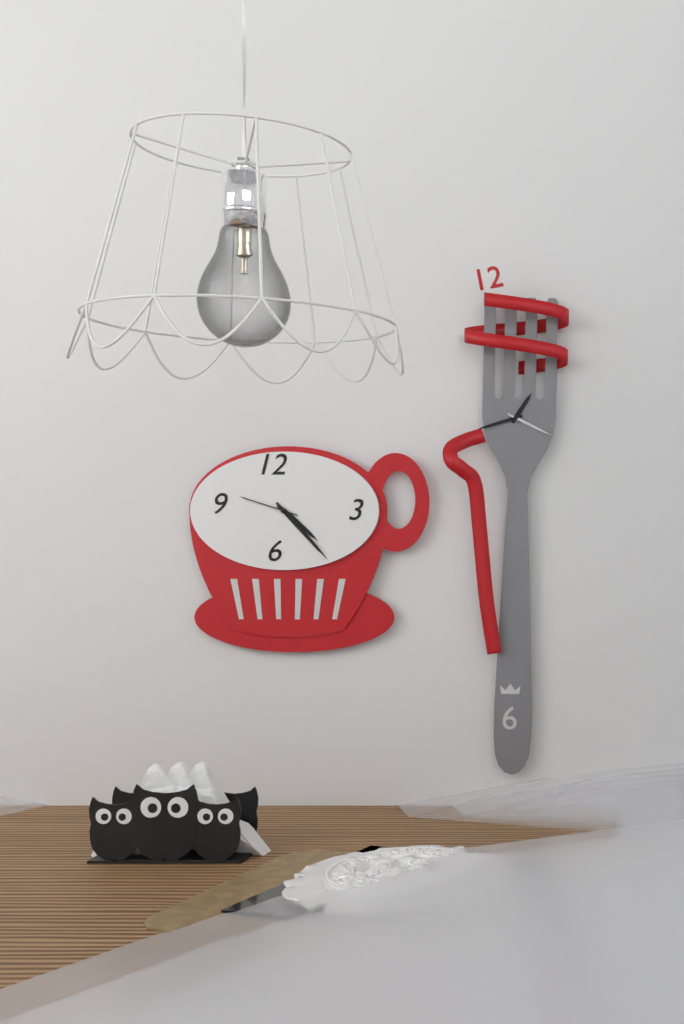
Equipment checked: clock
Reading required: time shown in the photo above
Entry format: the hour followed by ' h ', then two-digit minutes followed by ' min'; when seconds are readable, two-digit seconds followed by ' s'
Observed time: 4 h 23 min 48 s
